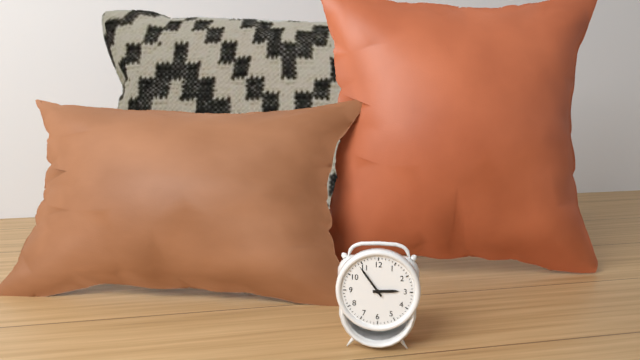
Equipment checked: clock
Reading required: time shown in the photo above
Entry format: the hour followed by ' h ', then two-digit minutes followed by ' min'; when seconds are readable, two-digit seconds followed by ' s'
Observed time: 2 h 54 min
